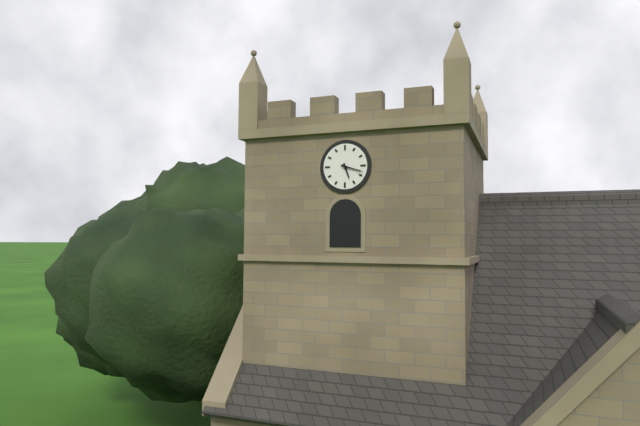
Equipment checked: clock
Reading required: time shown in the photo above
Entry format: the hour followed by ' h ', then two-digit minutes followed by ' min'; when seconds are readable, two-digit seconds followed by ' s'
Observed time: 5 h 18 min
